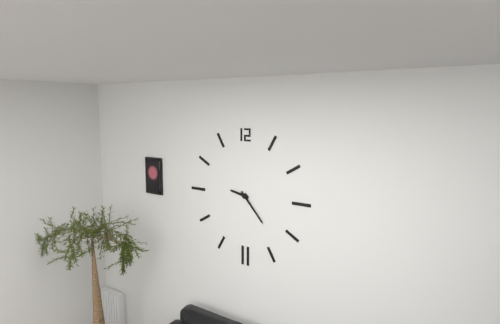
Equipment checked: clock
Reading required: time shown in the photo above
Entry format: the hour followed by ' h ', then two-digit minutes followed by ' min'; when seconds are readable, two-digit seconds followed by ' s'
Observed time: 9 h 23 min
